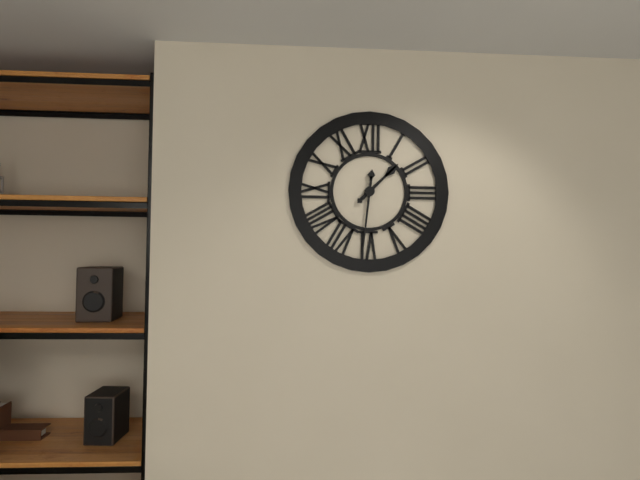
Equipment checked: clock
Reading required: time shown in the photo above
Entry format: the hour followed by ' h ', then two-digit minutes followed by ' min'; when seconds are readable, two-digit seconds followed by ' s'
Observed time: 1 h 31 min
